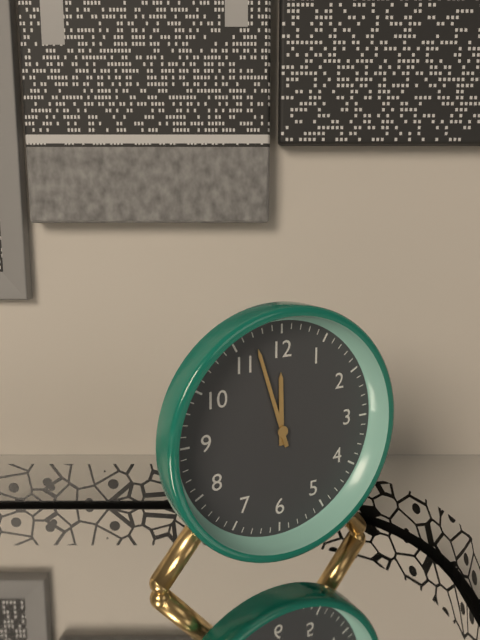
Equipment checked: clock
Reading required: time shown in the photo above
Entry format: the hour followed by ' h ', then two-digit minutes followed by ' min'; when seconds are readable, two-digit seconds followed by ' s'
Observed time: 11 h 57 min
